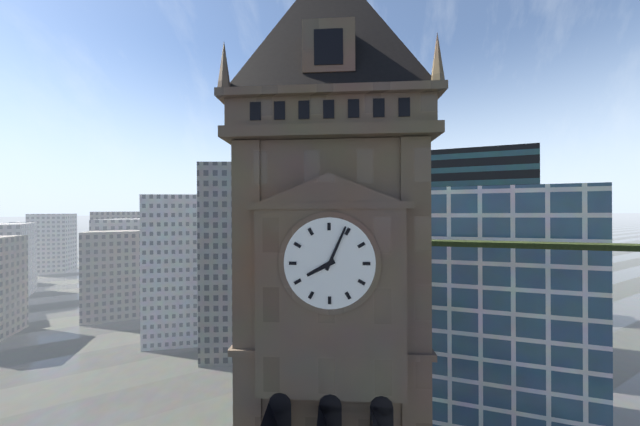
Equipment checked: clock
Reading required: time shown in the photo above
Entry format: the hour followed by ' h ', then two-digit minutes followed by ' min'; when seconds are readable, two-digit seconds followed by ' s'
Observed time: 8 h 04 min
